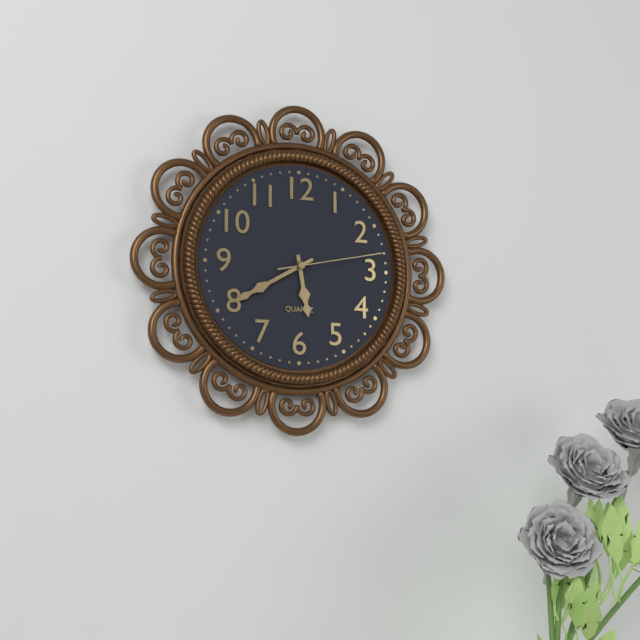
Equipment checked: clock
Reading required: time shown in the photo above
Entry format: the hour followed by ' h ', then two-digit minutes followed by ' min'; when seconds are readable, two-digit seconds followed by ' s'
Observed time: 5 h 40 min 13 s
